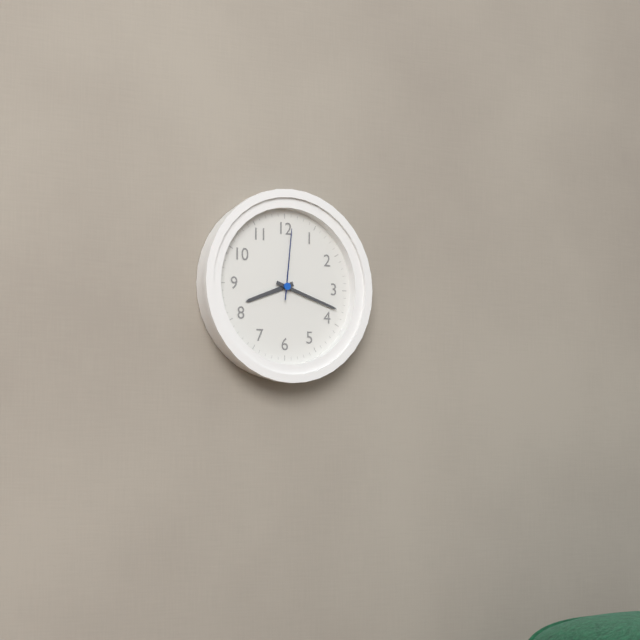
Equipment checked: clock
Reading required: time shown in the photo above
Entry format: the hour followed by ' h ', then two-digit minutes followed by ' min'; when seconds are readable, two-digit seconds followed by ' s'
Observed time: 8 h 18 min 01 s
